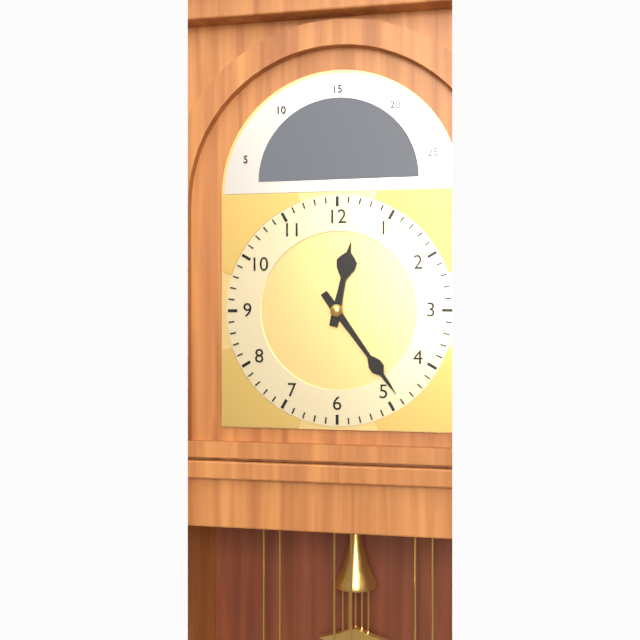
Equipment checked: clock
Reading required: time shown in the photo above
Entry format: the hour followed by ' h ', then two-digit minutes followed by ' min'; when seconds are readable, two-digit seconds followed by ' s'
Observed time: 12 h 24 min
